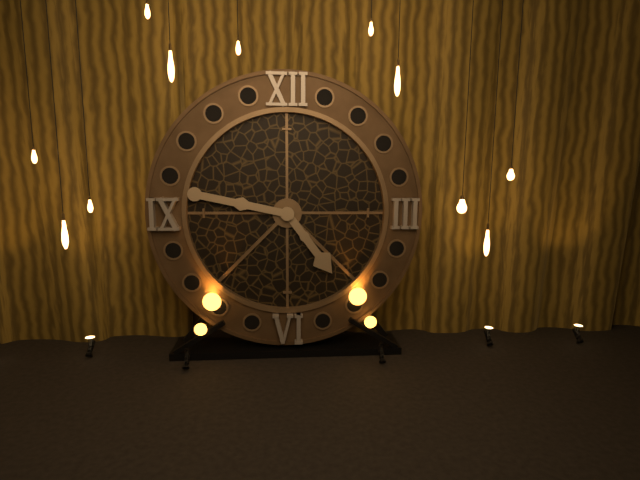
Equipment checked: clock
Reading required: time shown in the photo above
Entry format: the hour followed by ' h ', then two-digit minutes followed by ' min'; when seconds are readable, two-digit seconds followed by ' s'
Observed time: 4 h 47 min
